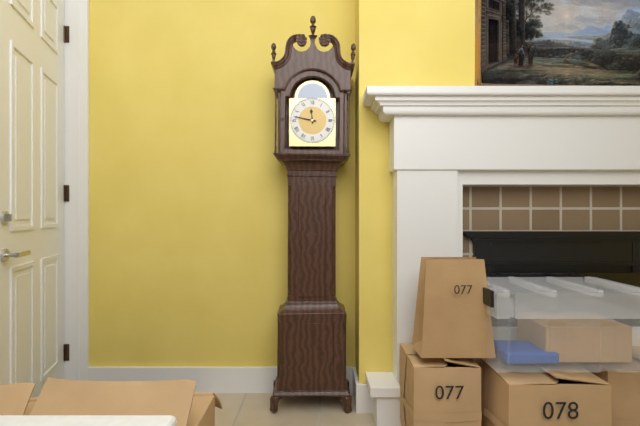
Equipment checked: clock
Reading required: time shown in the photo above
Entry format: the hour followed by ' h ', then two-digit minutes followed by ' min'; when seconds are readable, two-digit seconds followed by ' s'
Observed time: 11 h 47 min
